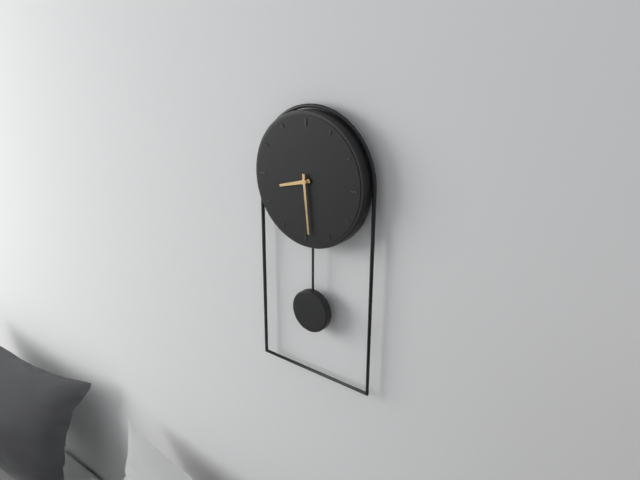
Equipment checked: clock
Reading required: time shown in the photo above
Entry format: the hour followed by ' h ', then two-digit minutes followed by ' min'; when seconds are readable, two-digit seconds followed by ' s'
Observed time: 8 h 29 min
